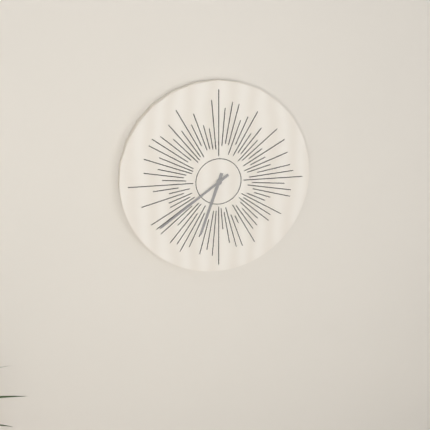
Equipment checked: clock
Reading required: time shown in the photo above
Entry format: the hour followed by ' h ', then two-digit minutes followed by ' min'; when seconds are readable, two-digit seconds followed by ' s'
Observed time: 6 h 39 min
